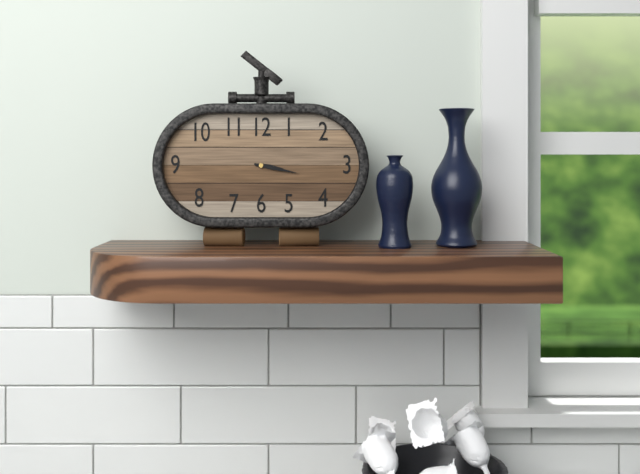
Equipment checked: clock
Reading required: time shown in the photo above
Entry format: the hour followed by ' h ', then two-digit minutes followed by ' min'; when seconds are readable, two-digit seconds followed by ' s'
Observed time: 3 h 17 min
